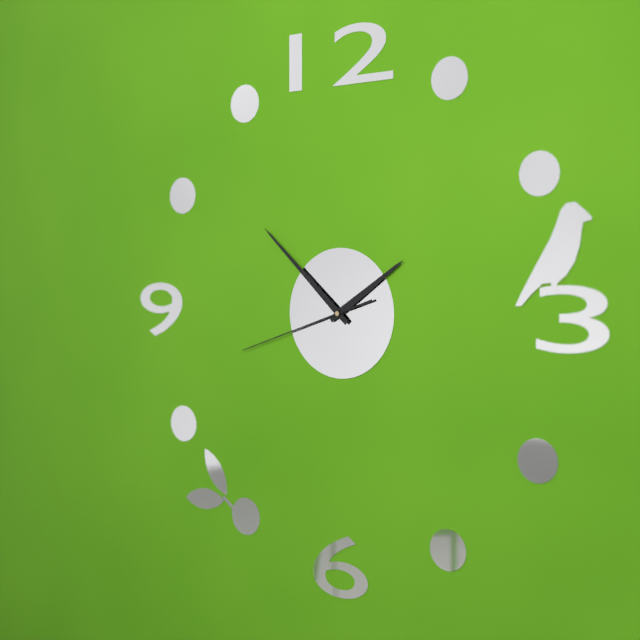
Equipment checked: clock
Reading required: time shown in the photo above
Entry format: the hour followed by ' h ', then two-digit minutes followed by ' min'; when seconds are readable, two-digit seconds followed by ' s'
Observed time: 1 h 52 min 42 s
